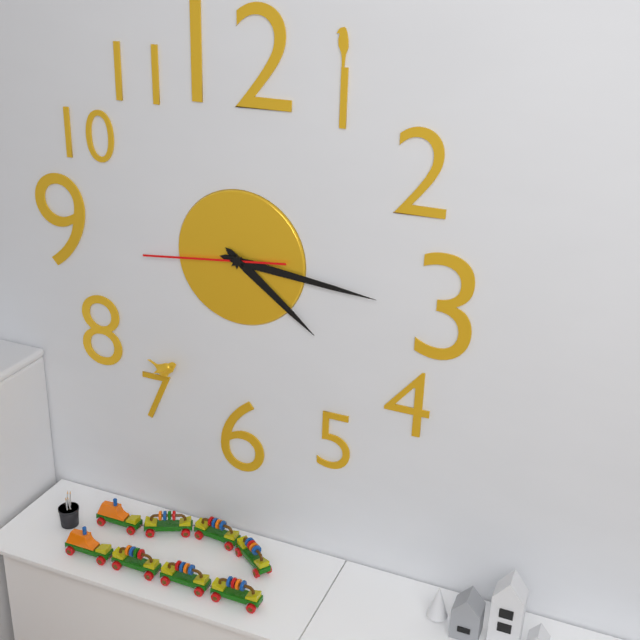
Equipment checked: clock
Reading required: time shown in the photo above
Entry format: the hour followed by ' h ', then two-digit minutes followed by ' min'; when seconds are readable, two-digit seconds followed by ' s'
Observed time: 4 h 16 min 44 s
